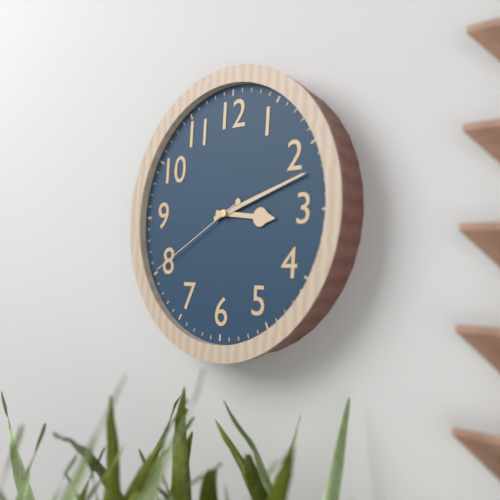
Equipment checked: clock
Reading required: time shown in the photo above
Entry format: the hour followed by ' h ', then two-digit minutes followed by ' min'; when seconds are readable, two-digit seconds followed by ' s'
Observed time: 3 h 12 min 40 s
